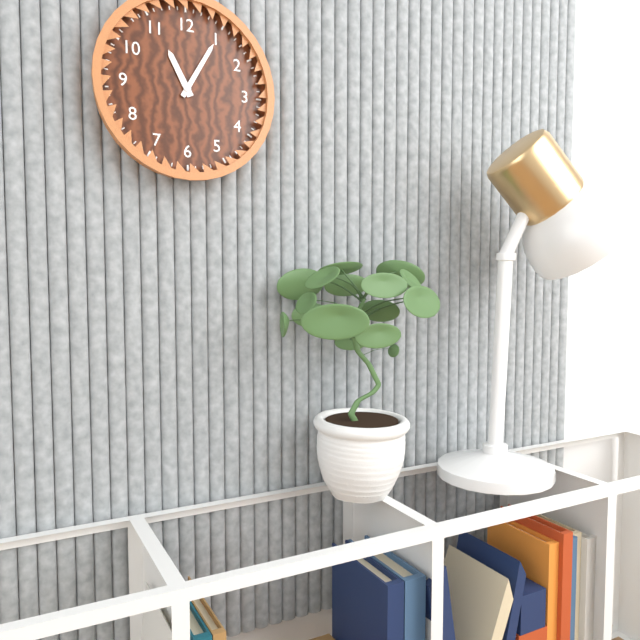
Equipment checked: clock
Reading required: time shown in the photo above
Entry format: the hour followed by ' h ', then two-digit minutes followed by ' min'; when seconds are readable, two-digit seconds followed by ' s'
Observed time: 11 h 05 min
